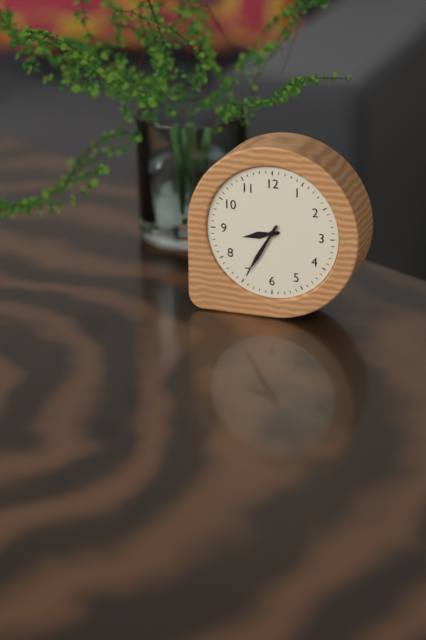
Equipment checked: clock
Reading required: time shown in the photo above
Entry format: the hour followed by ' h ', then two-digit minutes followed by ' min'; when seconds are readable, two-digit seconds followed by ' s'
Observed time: 8 h 35 min
